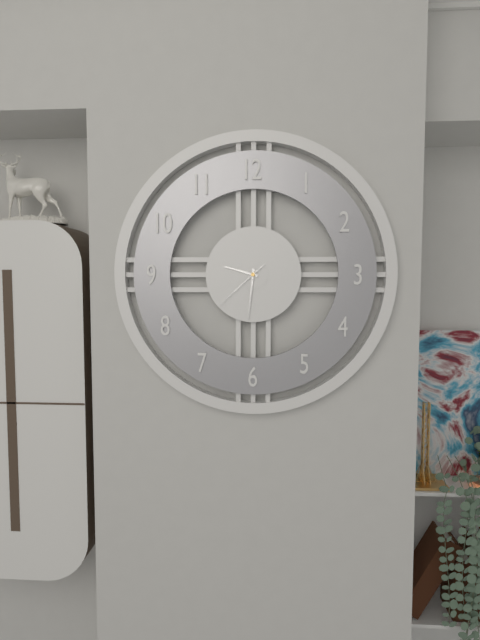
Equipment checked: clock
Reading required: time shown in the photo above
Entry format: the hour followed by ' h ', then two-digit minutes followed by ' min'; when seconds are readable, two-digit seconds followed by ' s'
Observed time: 9 h 31 min 38 s
